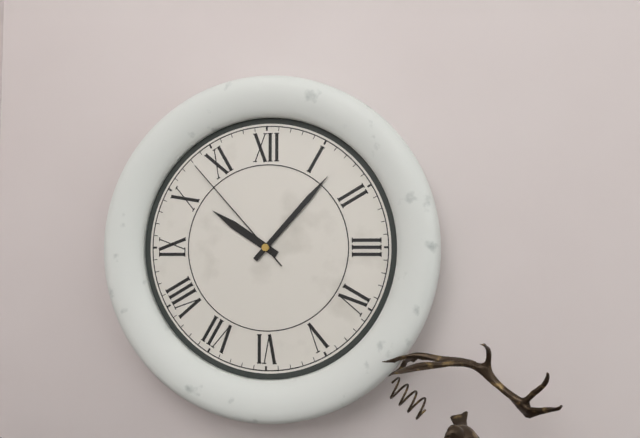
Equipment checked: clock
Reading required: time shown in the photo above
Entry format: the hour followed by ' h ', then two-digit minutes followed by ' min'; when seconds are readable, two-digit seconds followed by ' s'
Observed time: 10 h 07 min 53 s
